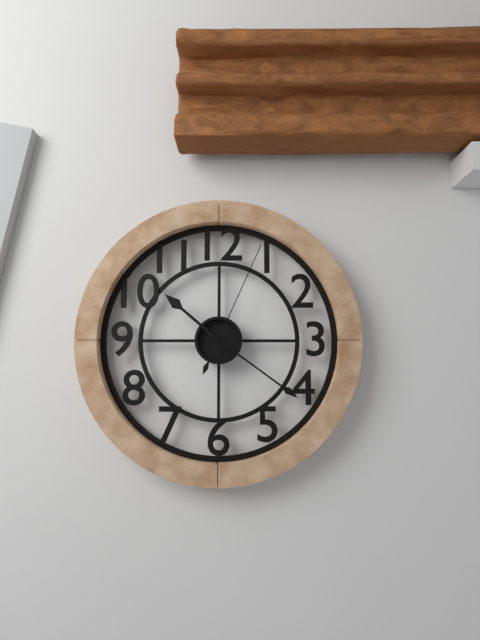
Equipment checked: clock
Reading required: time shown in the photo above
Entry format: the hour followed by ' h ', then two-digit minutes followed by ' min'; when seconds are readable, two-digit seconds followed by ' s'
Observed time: 10 h 21 min 04 s
